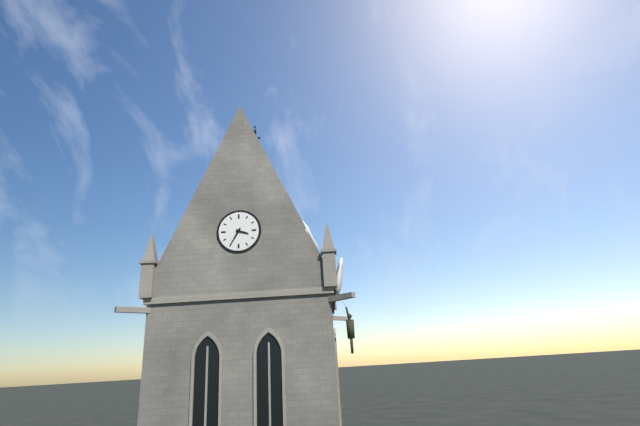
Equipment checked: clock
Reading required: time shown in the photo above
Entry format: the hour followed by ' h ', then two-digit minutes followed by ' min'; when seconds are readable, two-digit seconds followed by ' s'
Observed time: 3 h 35 min
